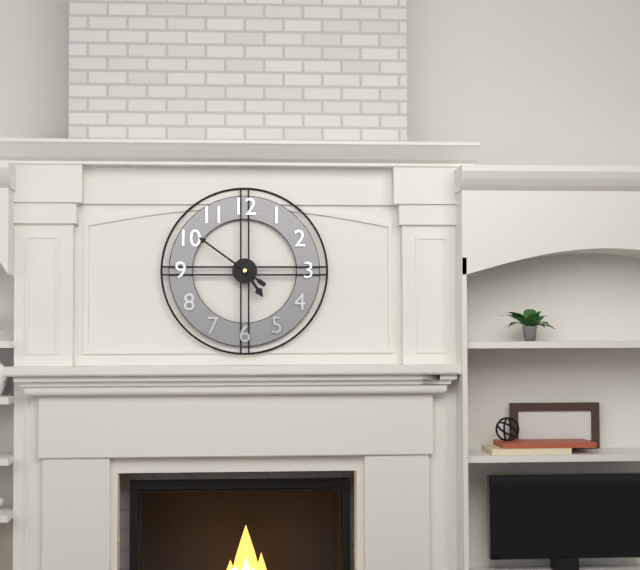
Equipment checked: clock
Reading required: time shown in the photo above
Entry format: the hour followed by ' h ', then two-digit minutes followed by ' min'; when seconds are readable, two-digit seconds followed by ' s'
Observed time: 4 h 51 min
